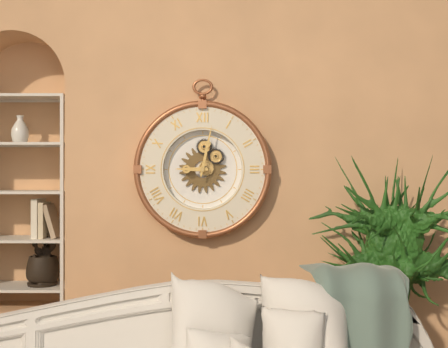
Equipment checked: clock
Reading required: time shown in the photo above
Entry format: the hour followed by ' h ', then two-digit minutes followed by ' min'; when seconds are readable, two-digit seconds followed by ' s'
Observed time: 9 h 02 min
